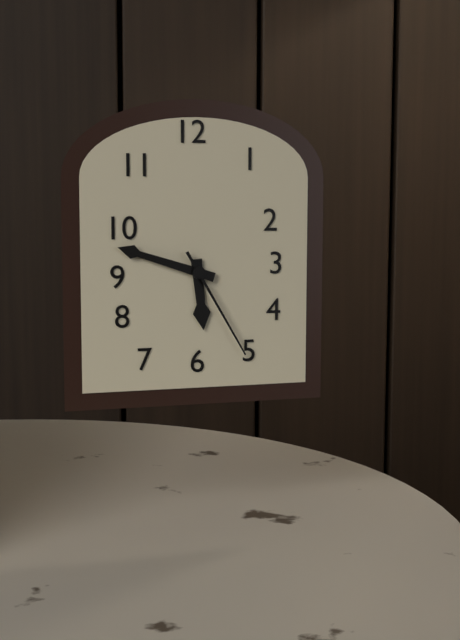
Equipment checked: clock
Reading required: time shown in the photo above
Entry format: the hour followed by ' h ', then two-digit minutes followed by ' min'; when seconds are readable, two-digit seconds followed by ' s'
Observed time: 5 h 48 min 25 s
